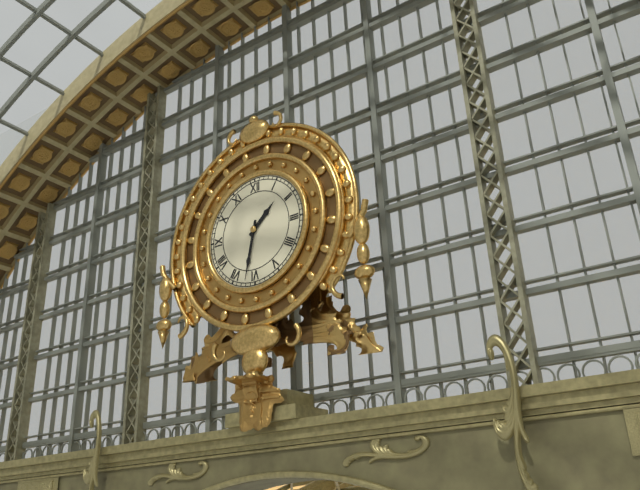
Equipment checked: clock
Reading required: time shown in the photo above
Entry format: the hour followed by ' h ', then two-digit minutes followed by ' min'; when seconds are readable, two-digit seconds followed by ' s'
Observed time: 1 h 32 min
